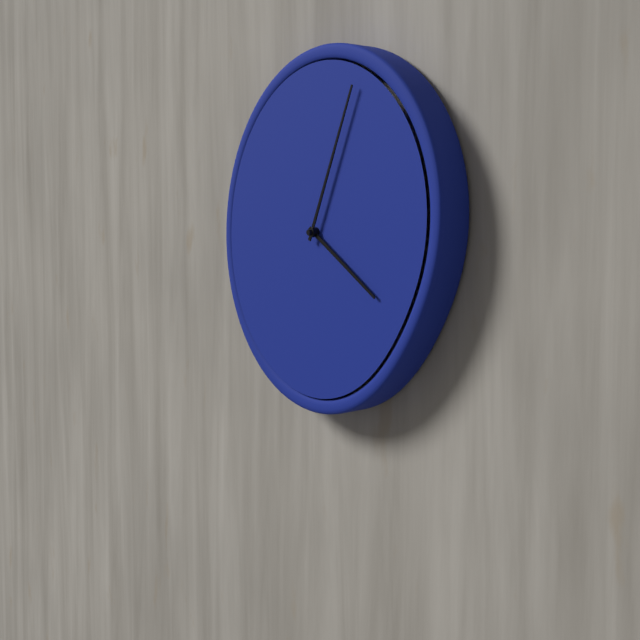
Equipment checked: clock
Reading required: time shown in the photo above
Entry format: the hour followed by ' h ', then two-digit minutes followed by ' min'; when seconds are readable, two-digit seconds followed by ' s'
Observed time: 4 h 04 min
